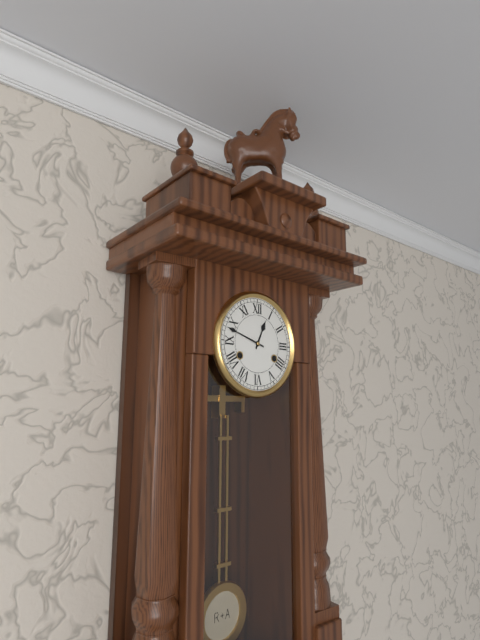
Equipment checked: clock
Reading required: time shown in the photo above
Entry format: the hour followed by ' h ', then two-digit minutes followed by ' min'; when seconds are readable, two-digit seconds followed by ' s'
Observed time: 12 h 48 min
